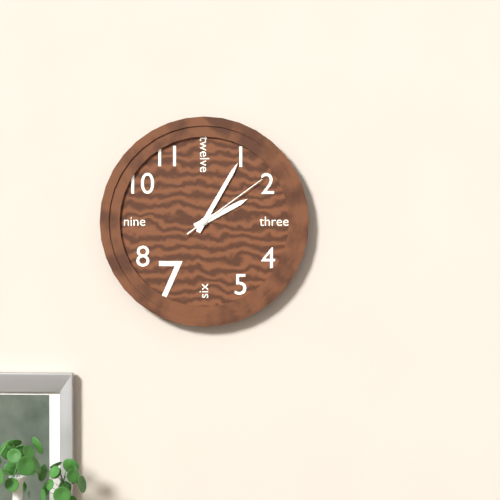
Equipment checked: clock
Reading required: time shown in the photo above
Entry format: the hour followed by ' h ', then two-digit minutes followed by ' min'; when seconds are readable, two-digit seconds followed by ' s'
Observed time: 2 h 05 min 09 s
